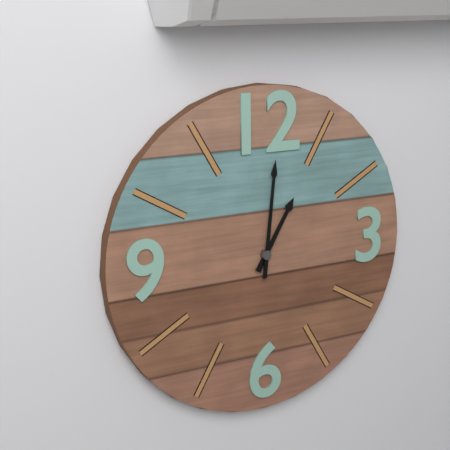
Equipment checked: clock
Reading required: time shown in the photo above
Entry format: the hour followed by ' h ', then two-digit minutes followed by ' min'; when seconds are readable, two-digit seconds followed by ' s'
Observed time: 1 h 01 min
